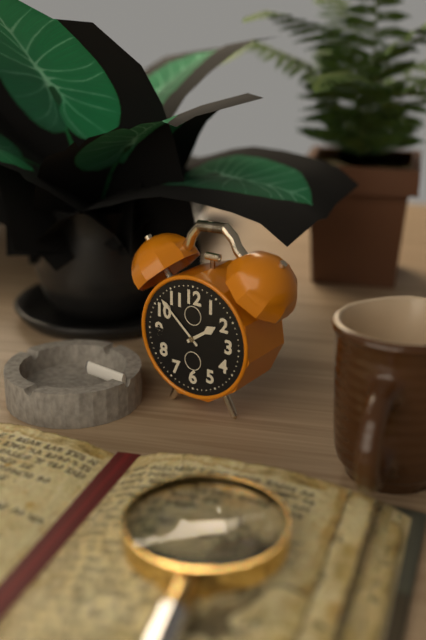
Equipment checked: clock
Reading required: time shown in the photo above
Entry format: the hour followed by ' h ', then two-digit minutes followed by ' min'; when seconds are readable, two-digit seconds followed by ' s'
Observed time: 1 h 52 min
